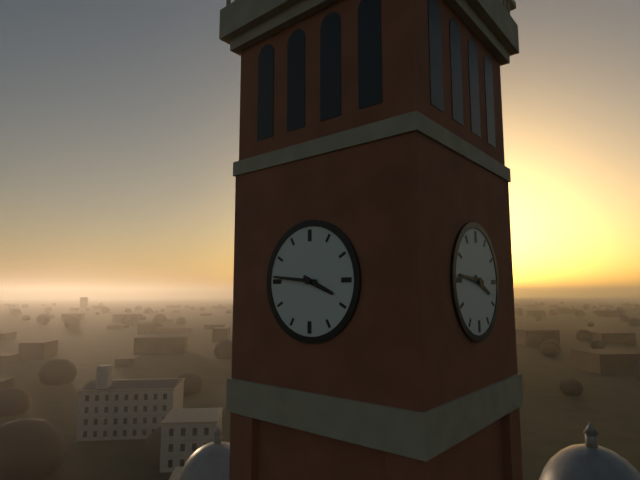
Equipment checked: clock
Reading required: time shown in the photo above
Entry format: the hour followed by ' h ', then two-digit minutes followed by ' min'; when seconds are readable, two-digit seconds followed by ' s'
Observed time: 3 h 46 min
